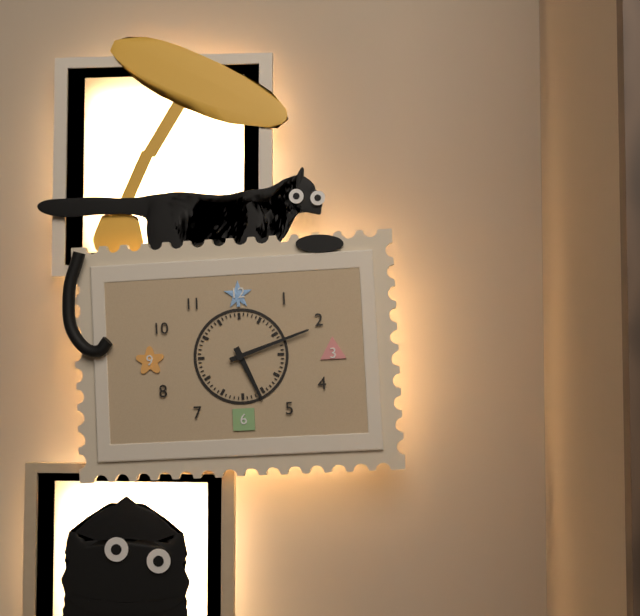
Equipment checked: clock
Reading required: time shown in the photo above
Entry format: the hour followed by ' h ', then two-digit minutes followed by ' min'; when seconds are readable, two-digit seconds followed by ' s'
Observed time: 5 h 12 min
